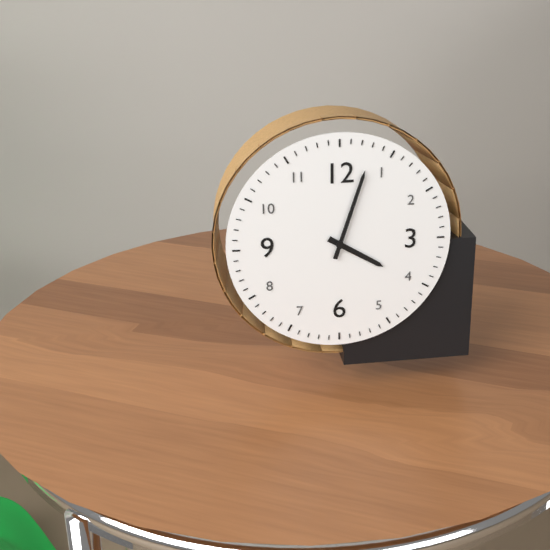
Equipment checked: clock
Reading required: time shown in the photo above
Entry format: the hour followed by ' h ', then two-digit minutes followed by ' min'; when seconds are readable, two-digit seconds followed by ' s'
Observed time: 4 h 03 min
